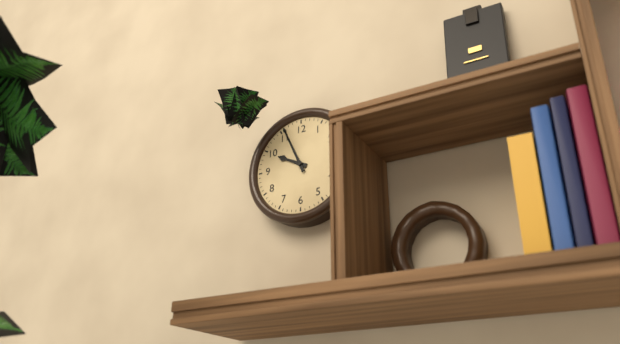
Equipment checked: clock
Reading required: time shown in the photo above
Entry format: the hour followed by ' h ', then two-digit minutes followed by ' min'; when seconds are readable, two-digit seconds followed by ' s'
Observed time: 9 h 56 min
